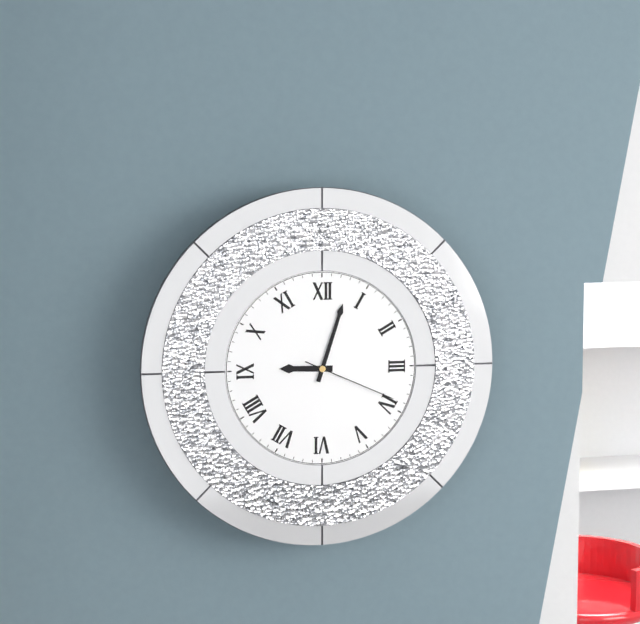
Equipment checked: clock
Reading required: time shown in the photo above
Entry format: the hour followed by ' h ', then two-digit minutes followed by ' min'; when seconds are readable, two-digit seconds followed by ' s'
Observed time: 9 h 03 min 19 s
